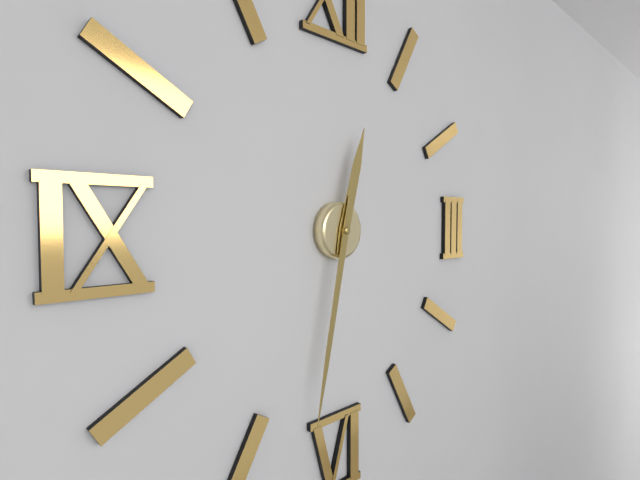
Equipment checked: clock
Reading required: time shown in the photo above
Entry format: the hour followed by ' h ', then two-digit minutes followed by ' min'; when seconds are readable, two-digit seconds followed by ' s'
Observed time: 12 h 32 min
